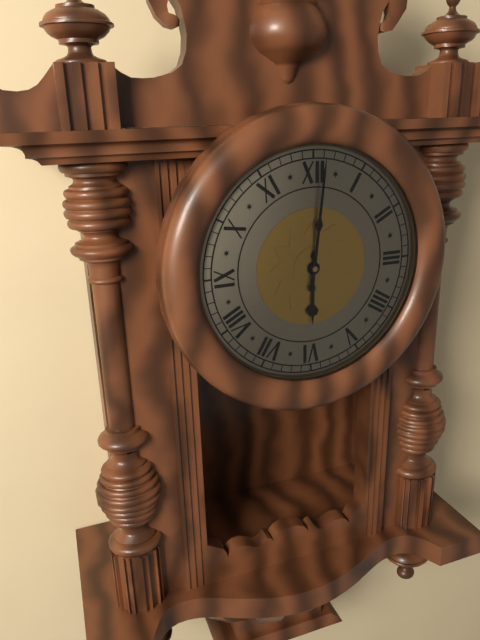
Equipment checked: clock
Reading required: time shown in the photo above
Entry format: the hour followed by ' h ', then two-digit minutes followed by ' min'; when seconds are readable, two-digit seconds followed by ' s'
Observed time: 6 h 01 min
